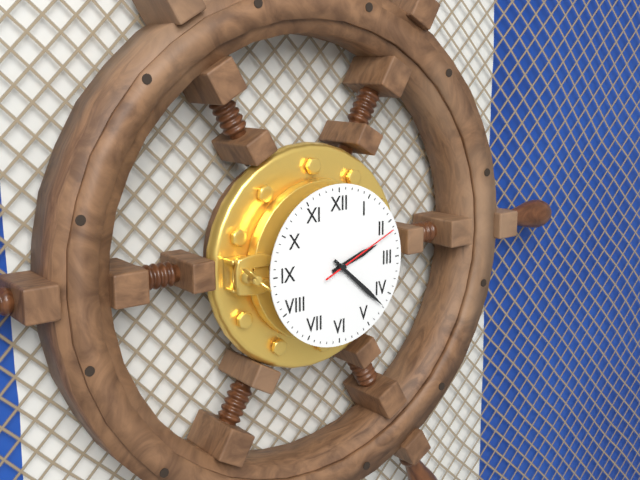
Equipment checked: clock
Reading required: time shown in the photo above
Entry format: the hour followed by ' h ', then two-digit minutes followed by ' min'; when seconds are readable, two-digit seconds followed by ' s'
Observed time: 2 h 22 min 11 s
